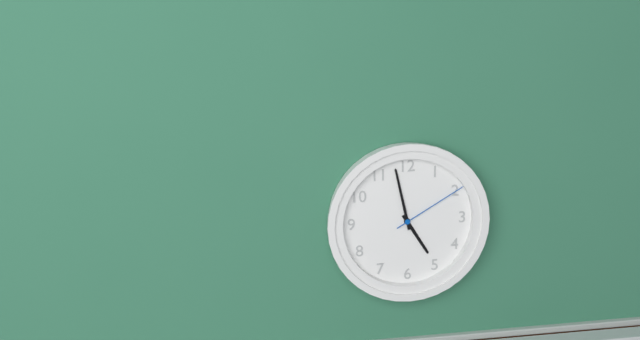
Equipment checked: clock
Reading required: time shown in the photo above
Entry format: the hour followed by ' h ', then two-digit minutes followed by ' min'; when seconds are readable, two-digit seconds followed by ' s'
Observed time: 4 h 58 min 10 s
